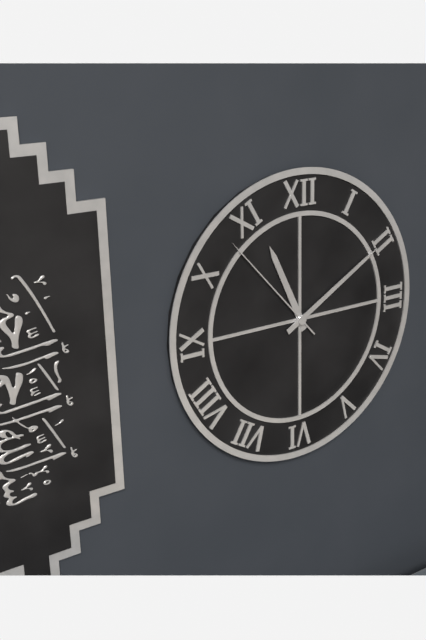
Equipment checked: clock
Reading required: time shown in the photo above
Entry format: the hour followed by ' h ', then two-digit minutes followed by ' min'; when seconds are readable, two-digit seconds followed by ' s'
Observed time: 11 h 10 min 53 s
